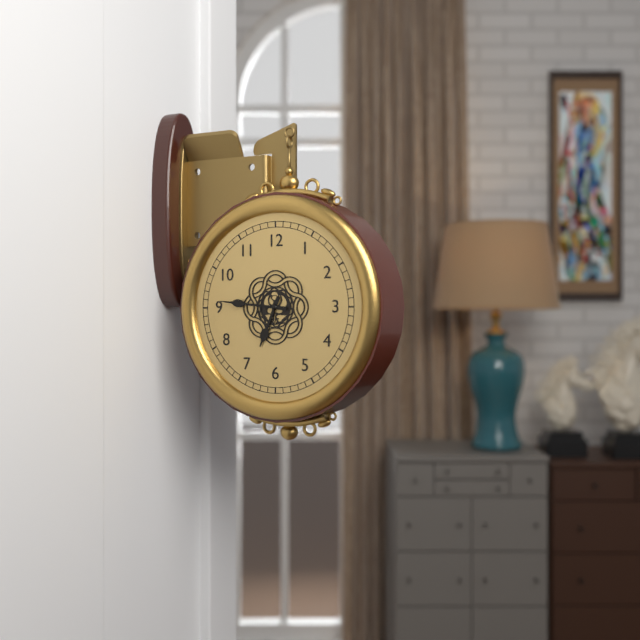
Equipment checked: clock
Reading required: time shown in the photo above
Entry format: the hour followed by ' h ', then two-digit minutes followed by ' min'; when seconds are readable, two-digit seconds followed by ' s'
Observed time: 6 h 46 min
